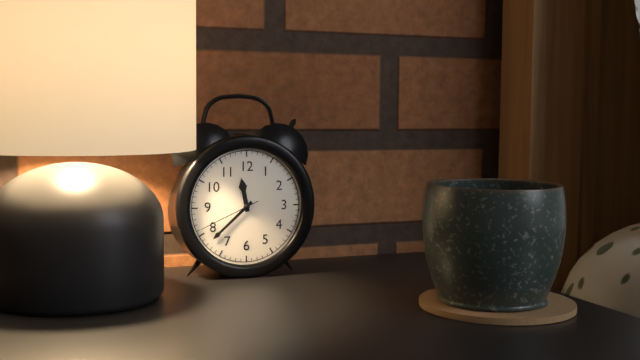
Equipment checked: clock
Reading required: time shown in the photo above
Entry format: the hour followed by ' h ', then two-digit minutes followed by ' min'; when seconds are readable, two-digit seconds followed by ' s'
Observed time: 11 h 38 min 41 s
